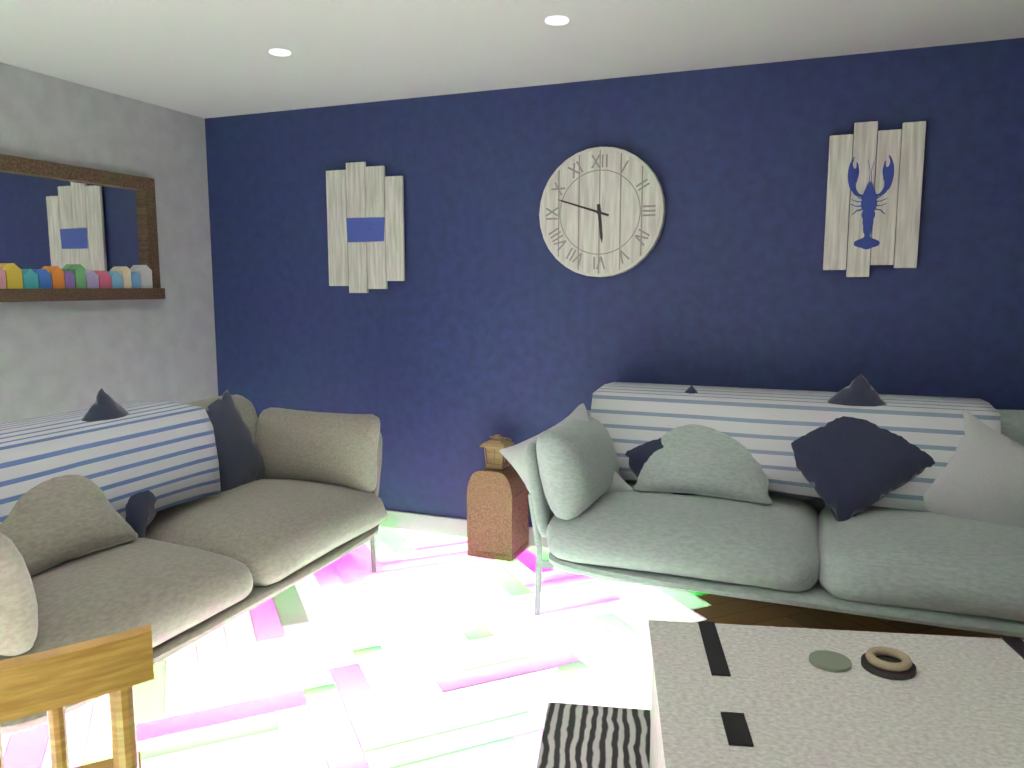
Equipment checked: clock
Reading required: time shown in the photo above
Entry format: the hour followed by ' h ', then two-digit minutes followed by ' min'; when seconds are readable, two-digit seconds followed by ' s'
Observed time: 5 h 48 min
